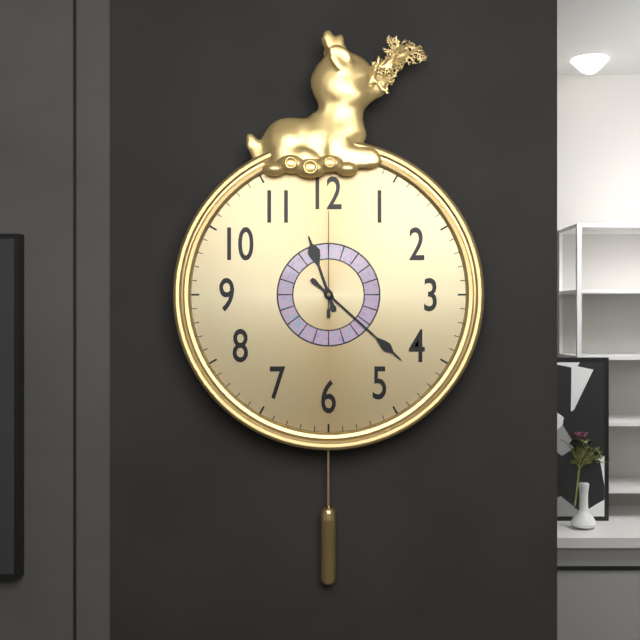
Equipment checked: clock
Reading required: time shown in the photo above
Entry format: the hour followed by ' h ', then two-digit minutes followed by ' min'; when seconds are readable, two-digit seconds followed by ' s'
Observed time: 11 h 22 min 00 s
